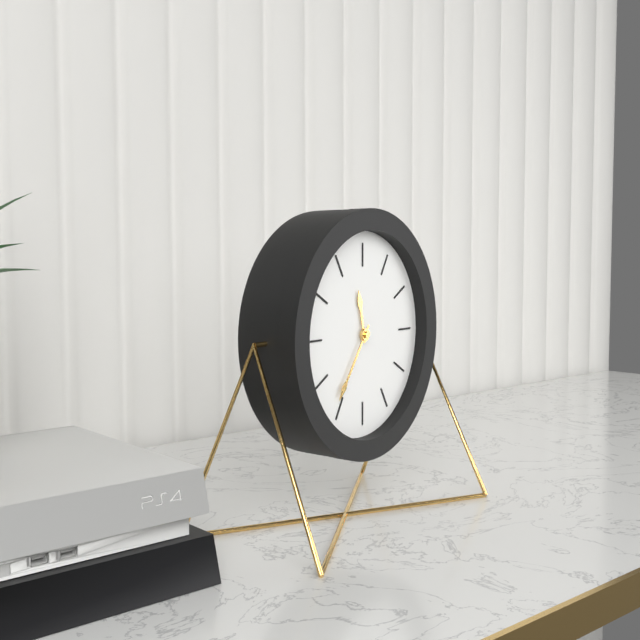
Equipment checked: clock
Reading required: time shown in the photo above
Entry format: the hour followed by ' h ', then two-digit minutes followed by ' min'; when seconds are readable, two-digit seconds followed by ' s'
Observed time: 11 h 36 min
